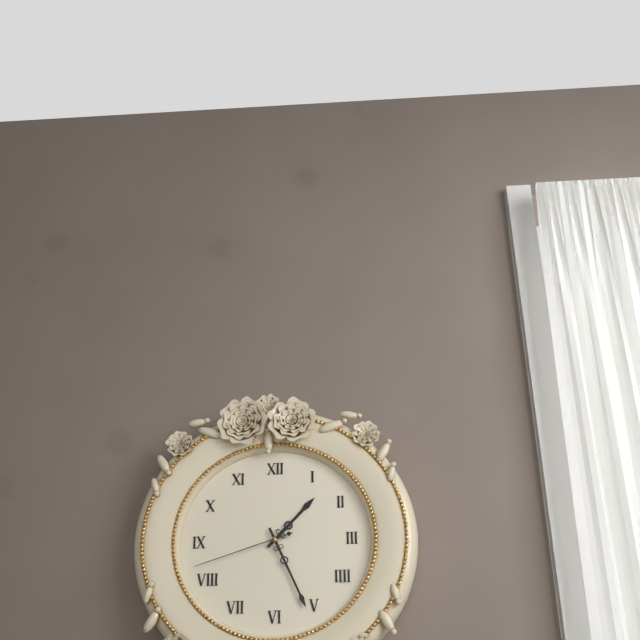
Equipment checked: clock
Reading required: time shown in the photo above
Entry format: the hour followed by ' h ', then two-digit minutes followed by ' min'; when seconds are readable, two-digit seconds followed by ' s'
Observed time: 1 h 26 min 42 s
